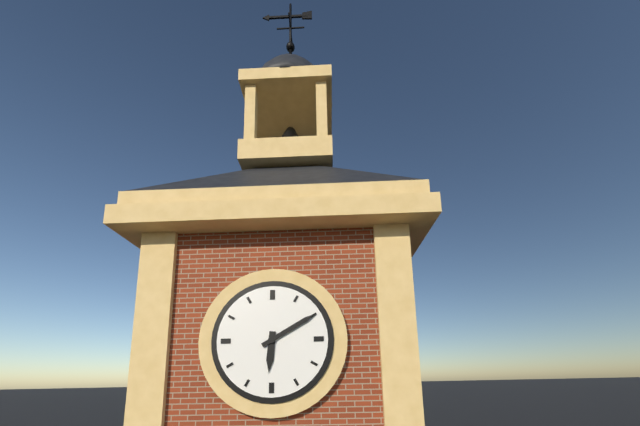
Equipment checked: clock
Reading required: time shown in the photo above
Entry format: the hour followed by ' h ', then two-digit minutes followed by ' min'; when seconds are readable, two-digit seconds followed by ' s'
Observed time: 6 h 10 min
